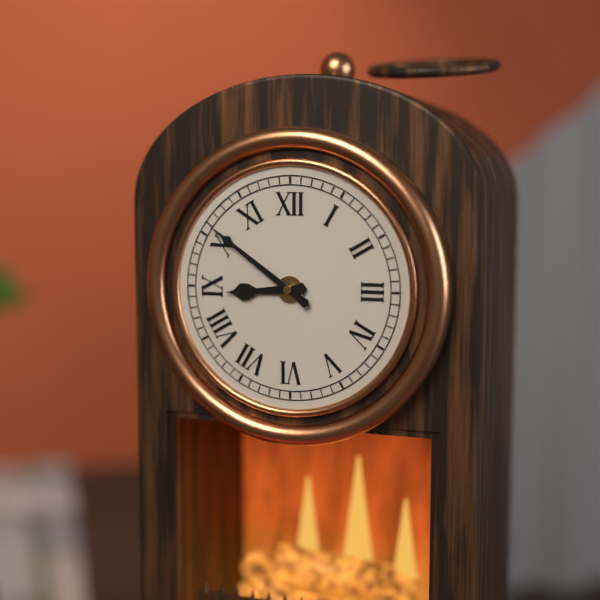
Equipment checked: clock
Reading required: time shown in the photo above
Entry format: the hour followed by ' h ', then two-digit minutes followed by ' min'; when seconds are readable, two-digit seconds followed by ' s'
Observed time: 8 h 51 min
